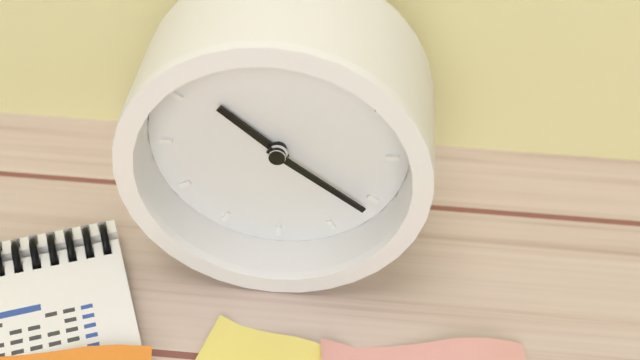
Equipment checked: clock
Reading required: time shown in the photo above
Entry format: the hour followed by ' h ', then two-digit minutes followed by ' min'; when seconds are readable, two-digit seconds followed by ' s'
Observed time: 10 h 21 min
